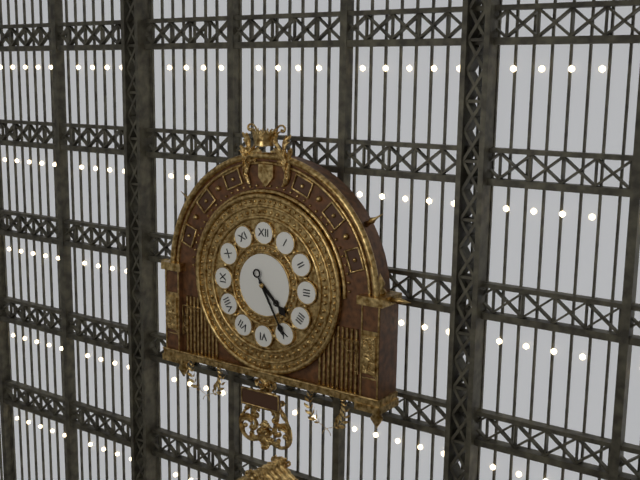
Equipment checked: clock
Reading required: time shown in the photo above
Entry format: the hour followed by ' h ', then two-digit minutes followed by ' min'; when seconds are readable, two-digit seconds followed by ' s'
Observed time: 4 h 25 min
